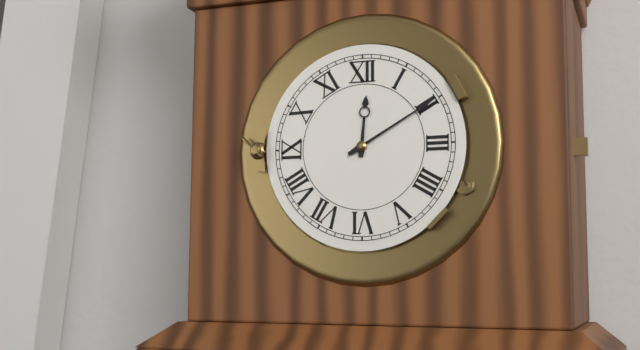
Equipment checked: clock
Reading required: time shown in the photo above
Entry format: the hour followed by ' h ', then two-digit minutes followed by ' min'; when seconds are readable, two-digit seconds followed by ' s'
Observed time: 12 h 10 min
